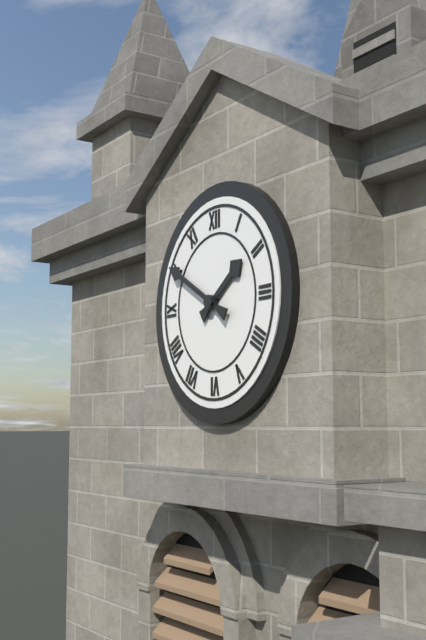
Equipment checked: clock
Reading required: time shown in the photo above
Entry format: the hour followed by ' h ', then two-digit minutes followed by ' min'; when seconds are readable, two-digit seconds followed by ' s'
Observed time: 1 h 50 min
